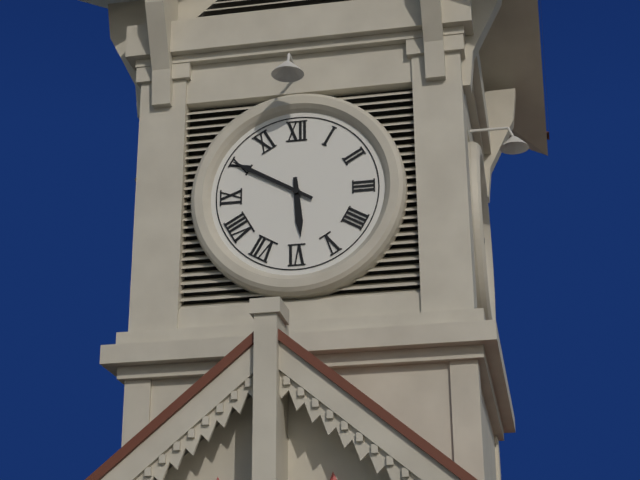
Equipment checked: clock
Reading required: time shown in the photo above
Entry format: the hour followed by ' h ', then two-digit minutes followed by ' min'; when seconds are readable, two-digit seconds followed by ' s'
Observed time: 5 h 50 min
